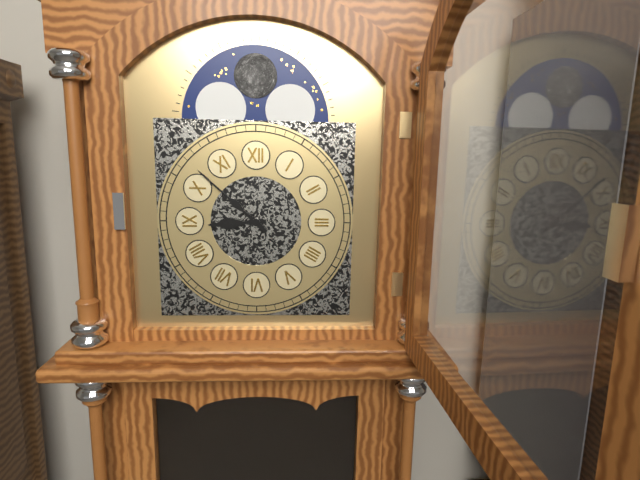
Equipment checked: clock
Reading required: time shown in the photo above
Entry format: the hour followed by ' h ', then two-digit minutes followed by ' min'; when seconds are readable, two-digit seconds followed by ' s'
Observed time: 8 h 52 min
